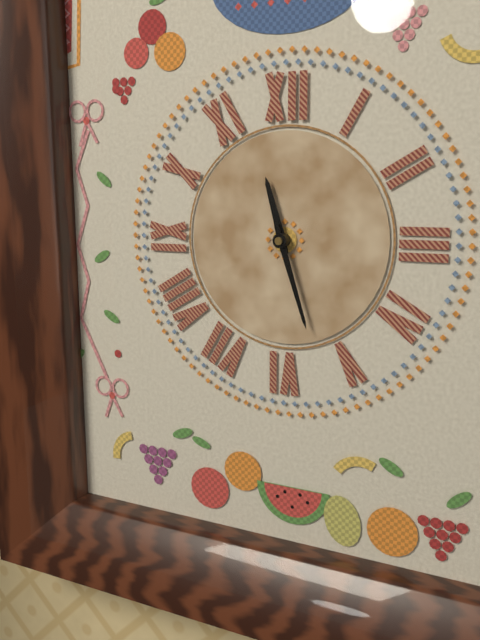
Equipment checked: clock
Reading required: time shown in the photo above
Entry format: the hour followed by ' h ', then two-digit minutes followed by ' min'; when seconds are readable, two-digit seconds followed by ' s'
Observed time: 11 h 27 min
